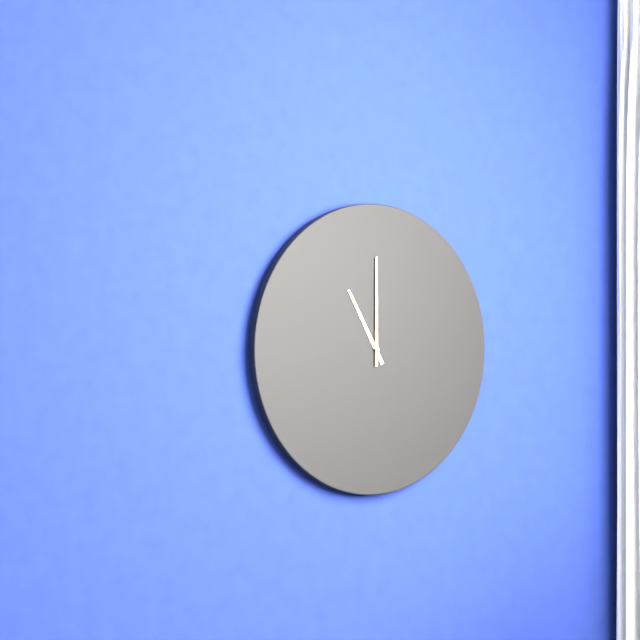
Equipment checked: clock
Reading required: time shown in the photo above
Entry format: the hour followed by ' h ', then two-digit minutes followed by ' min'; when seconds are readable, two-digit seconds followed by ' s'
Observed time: 11 h 00 min
